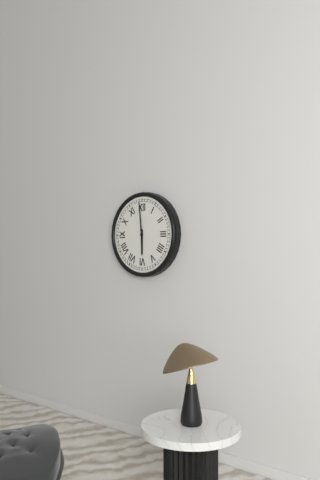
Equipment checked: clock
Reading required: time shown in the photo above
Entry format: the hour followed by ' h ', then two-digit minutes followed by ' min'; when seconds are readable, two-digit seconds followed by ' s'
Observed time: 5 h 59 min
